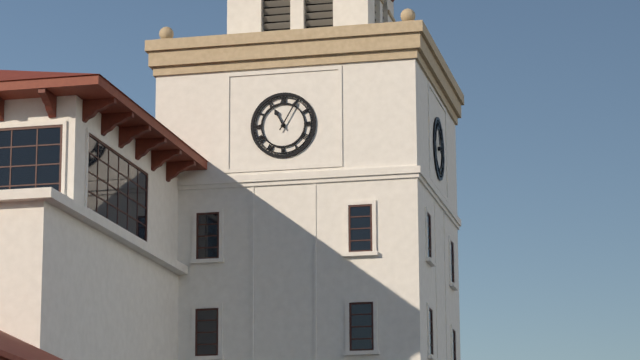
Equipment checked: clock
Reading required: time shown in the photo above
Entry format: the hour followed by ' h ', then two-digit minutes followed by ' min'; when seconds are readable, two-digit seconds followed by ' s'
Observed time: 11 h 05 min
